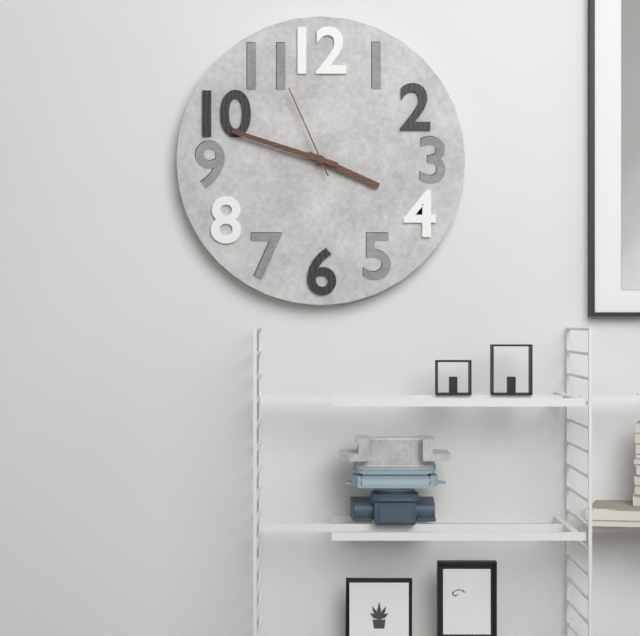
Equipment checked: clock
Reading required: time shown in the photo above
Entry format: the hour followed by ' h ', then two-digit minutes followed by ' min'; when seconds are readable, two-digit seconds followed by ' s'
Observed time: 3 h 48 min 56 s
